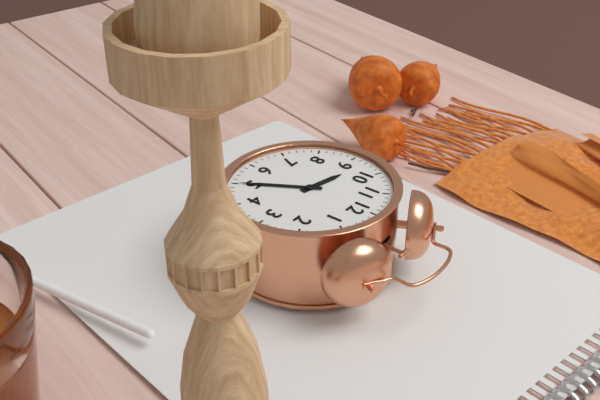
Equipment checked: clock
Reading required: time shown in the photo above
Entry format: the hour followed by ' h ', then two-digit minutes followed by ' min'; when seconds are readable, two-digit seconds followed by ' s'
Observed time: 9 h 25 min
